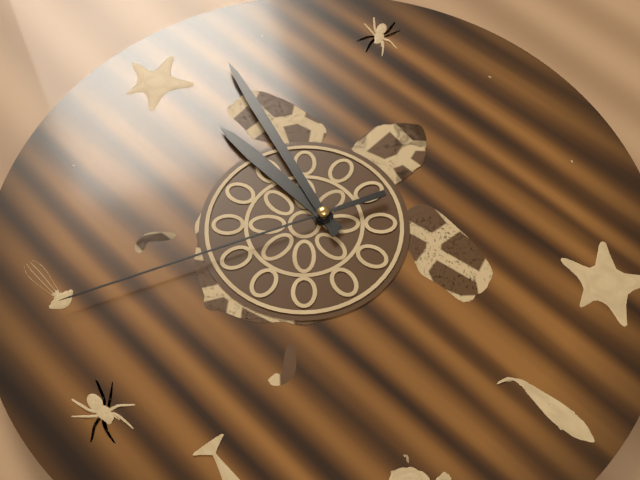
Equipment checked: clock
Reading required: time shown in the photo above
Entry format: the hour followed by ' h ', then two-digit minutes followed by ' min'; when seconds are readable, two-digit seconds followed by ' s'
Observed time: 12 h 03 min 49 s
